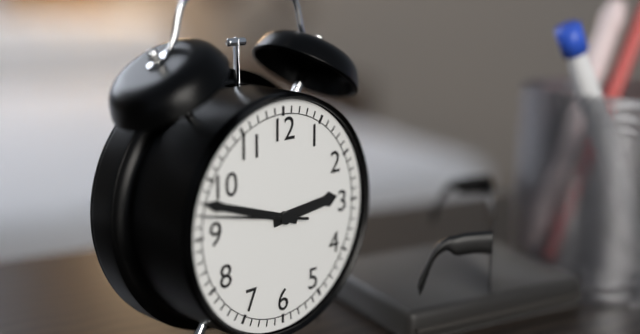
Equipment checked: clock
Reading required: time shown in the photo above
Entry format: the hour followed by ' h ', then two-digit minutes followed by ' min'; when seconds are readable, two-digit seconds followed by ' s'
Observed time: 2 h 48 min 47 s
